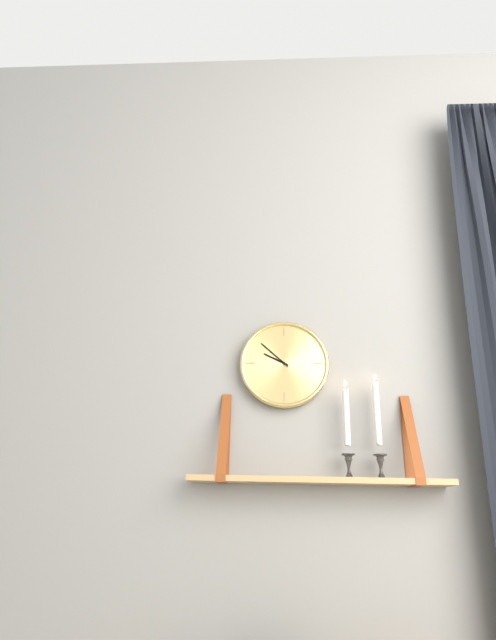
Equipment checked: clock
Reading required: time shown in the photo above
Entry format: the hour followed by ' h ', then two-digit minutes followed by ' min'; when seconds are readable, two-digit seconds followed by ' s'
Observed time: 9 h 52 min
